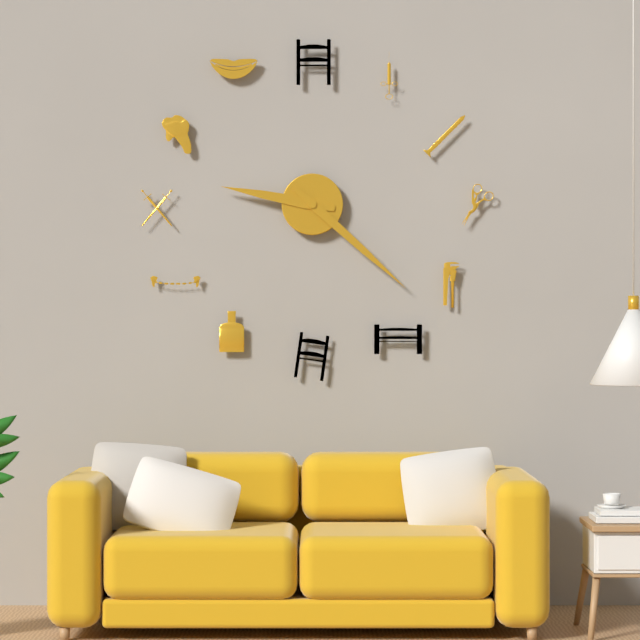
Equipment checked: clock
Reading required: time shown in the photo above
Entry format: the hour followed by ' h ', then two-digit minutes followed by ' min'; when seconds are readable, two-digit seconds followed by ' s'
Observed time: 9 h 22 min
